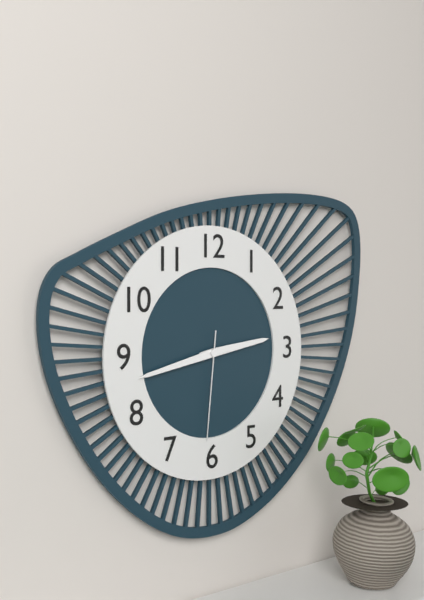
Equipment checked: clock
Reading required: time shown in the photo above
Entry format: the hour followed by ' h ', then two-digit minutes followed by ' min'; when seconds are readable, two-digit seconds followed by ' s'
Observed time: 2 h 43 min 31 s
